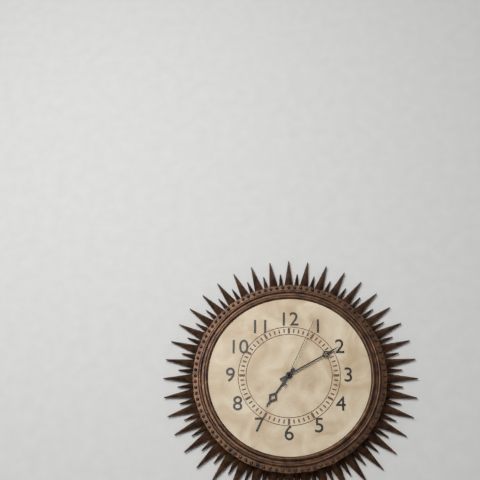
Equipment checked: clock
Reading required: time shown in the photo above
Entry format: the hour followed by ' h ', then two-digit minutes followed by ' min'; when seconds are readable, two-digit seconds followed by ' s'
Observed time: 7 h 10 min 04 s
